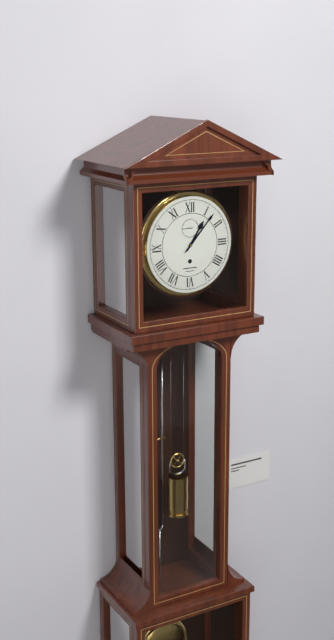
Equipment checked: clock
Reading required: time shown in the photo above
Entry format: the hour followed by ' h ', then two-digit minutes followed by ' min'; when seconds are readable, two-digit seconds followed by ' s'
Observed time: 1 h 07 min
